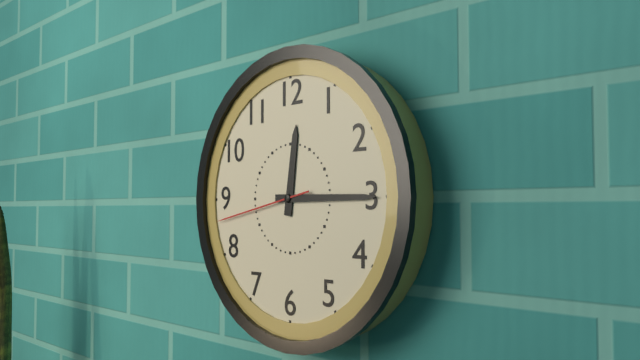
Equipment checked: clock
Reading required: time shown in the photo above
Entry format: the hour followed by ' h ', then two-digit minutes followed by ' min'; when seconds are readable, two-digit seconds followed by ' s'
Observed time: 12 h 15 min 43 s
